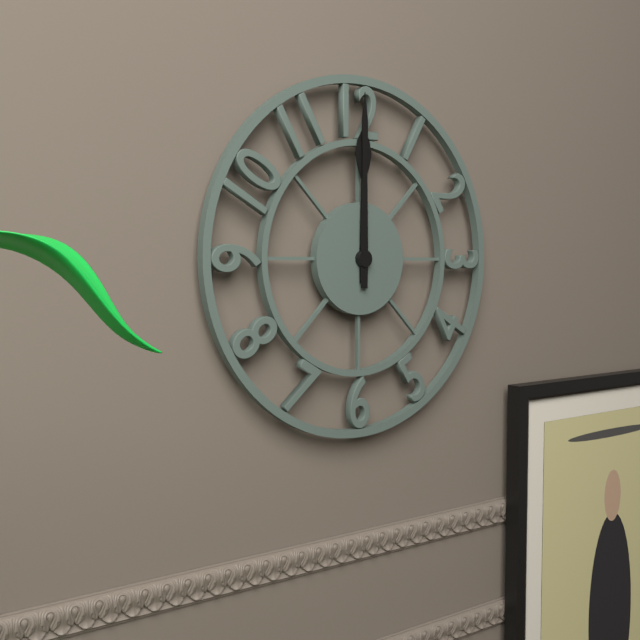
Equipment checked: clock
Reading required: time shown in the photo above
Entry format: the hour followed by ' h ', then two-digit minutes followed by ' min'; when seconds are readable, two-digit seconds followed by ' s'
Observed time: 12 h 00 min
